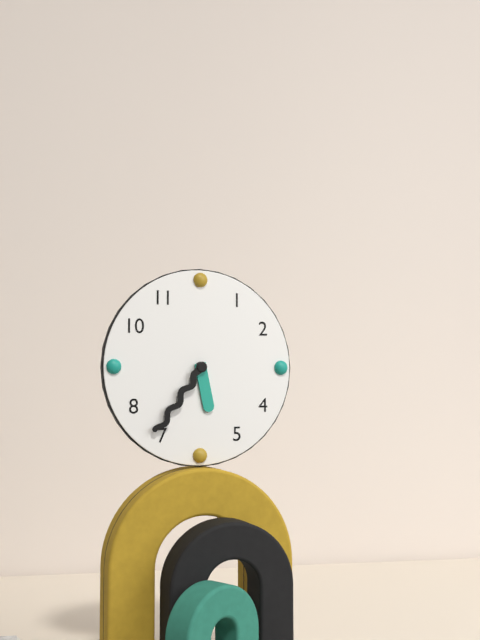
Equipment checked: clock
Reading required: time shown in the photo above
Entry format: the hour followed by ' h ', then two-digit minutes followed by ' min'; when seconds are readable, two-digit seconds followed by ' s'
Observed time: 5 h 36 min
